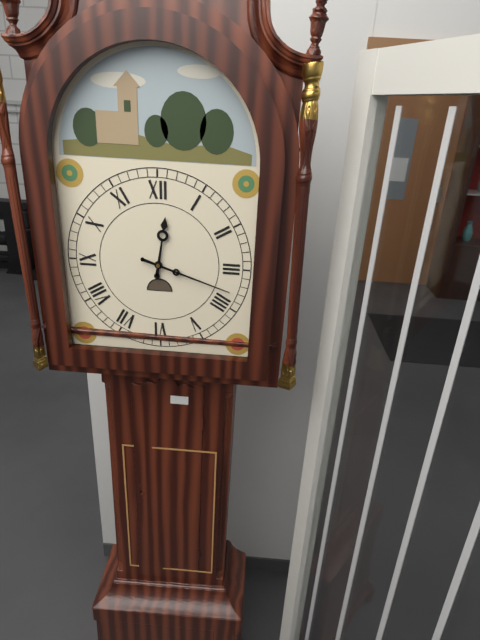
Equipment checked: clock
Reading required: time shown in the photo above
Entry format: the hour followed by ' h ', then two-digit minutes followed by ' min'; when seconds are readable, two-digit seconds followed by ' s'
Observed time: 12 h 18 min
